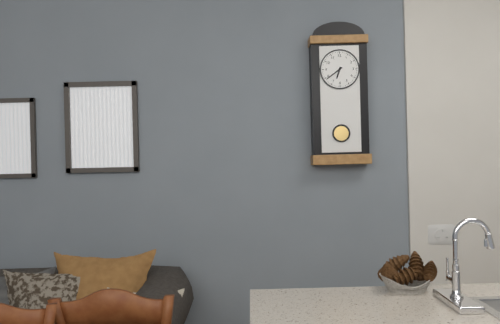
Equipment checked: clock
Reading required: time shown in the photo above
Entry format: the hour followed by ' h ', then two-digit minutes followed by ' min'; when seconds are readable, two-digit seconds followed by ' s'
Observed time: 6 h 39 min
